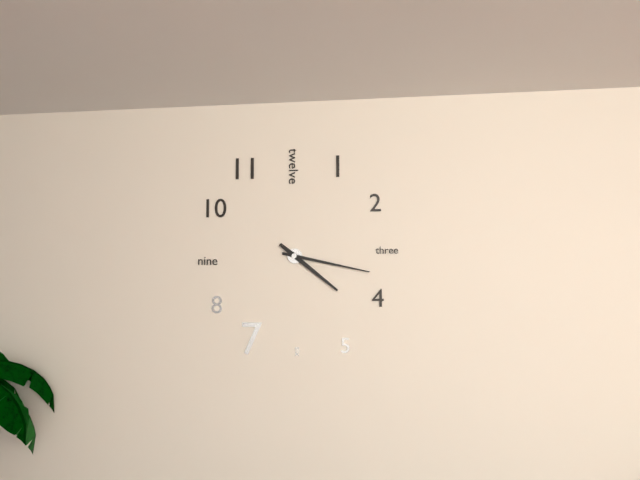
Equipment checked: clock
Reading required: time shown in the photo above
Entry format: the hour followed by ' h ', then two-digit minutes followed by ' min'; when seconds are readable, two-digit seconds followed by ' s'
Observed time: 4 h 17 min
